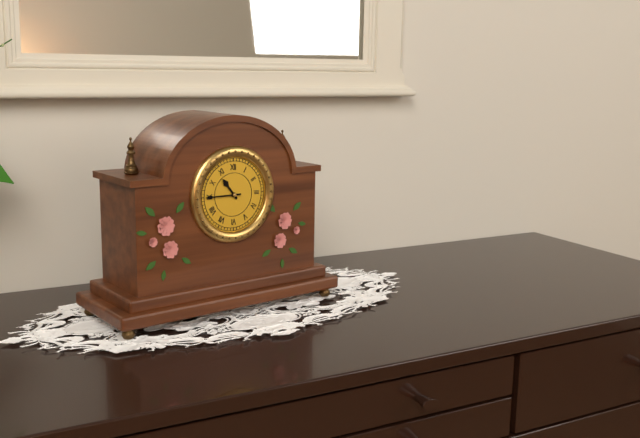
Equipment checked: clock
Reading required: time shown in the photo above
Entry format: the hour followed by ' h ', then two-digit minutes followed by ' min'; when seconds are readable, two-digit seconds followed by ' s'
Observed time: 10 h 45 min
